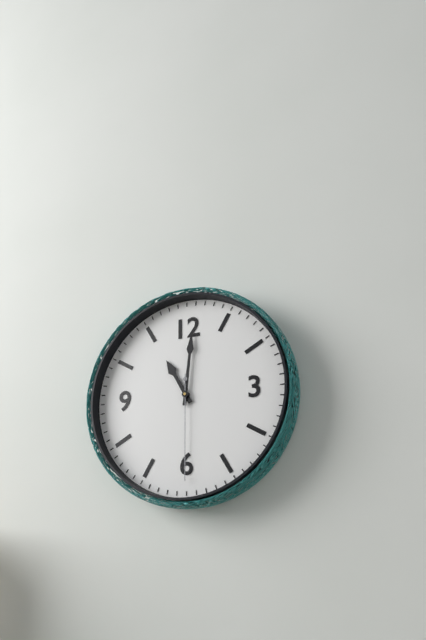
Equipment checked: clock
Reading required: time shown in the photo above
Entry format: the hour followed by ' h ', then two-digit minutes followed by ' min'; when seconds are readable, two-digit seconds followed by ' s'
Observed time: 11 h 01 min 30 s
